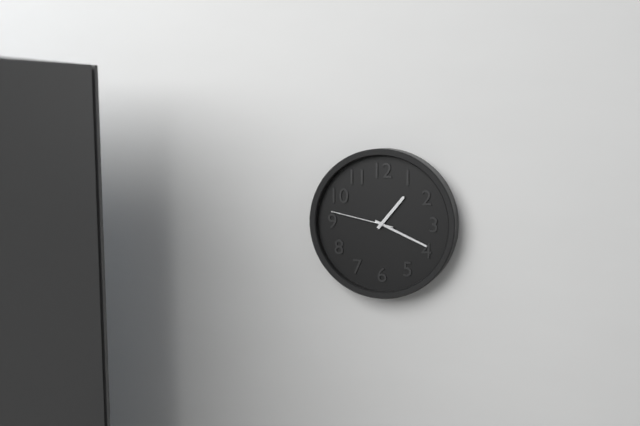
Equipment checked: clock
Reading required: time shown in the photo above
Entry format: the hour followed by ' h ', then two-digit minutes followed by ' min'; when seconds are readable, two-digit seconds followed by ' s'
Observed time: 1 h 19 min 47 s
